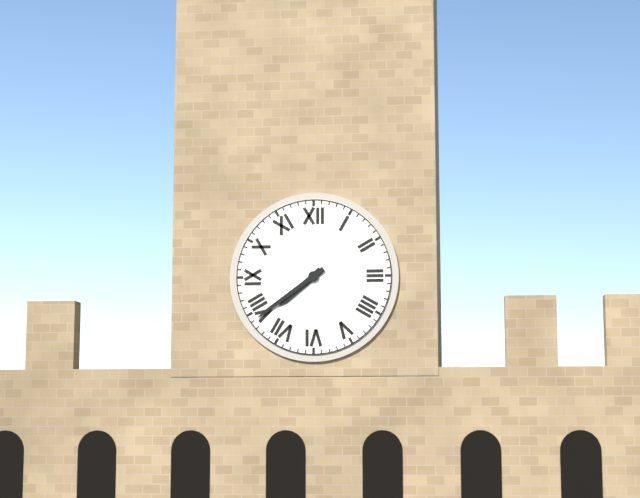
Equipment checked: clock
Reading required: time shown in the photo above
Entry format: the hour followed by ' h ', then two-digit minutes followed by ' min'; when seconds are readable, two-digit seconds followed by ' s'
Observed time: 7 h 39 min
